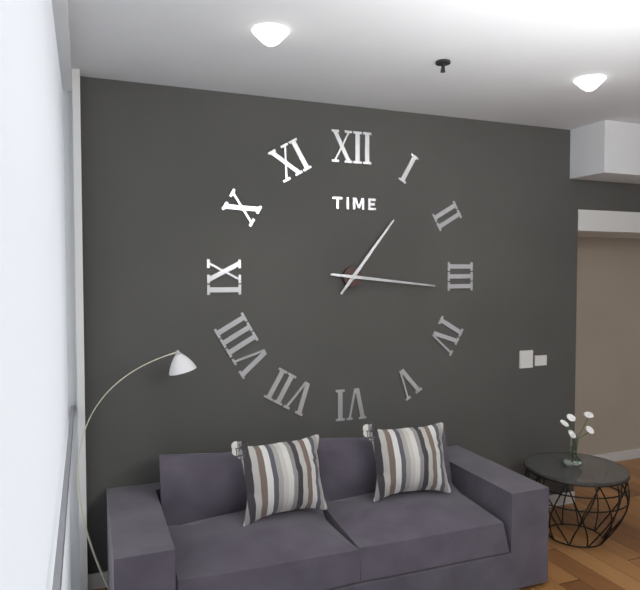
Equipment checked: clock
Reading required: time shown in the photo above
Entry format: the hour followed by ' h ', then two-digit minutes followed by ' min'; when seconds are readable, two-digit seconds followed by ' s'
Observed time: 1 h 16 min
